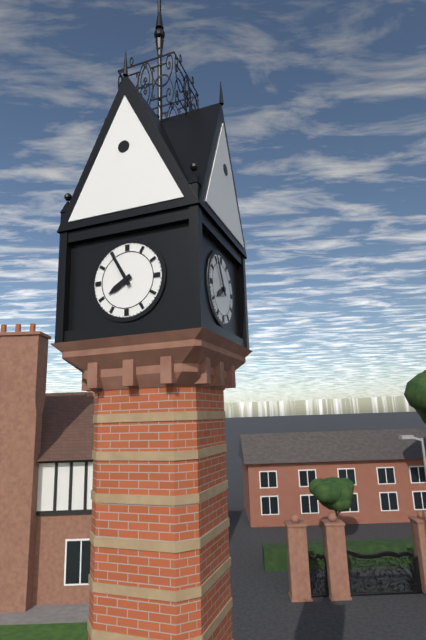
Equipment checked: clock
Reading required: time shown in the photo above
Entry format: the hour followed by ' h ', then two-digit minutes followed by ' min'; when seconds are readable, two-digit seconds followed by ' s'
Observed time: 7 h 55 min
